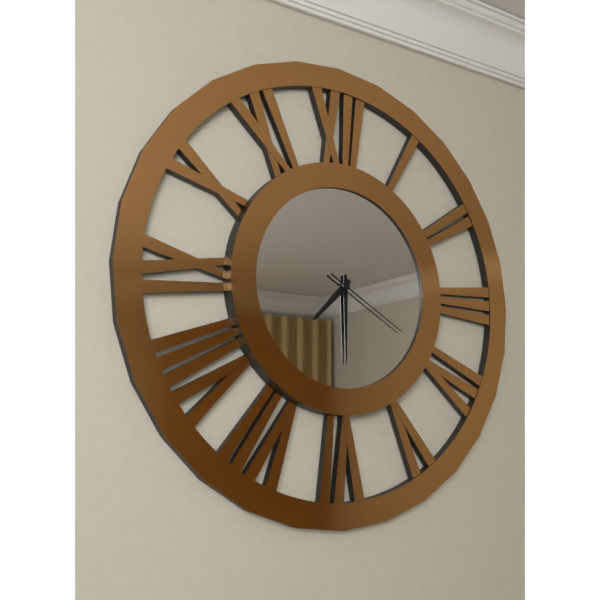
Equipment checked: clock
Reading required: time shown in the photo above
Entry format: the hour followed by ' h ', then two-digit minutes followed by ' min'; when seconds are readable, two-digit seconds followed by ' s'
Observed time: 7 h 30 min 20 s
